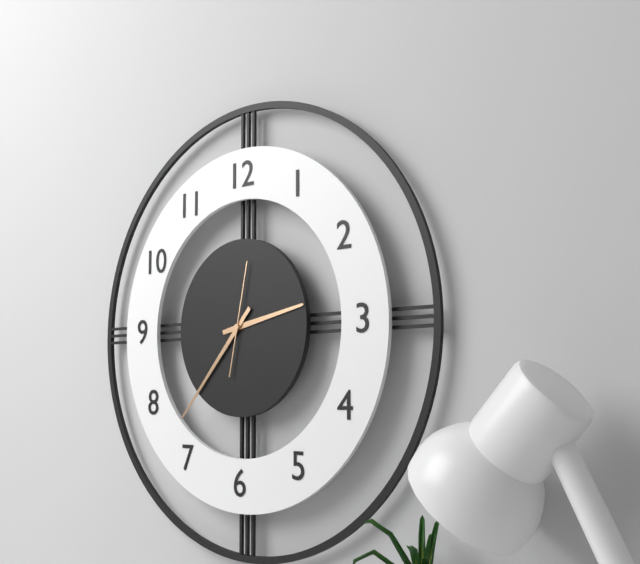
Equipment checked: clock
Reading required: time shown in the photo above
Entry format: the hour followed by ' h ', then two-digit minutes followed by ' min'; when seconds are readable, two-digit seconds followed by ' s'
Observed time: 2 h 37 min 02 s
